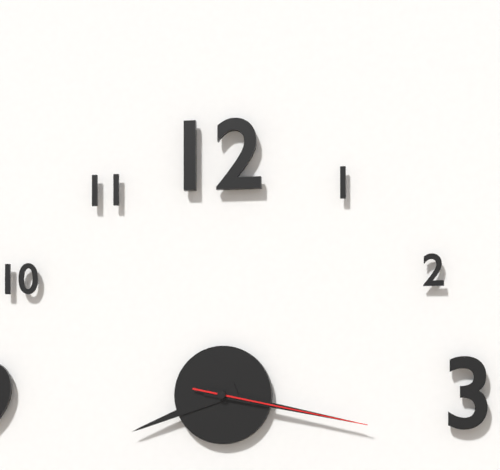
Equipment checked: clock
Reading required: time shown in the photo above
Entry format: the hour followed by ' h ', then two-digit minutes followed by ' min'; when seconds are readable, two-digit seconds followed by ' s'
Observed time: 8 h 17 min 17 s
